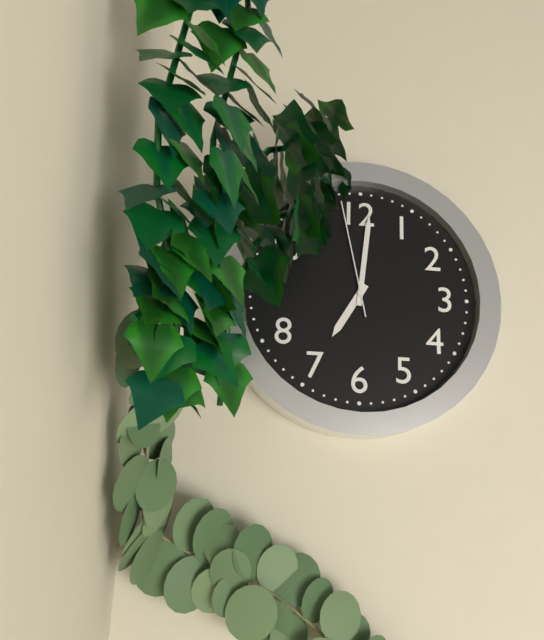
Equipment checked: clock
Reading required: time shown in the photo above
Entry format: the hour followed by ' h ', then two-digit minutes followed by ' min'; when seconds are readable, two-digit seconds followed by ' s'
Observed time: 7 h 01 min 58 s
